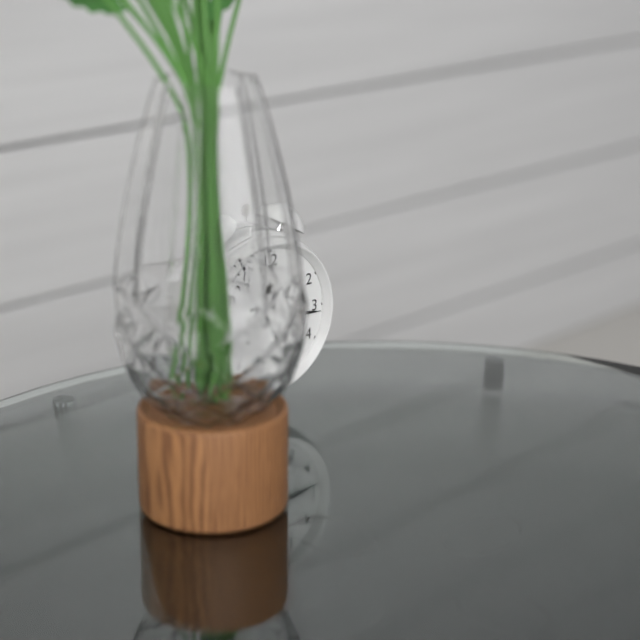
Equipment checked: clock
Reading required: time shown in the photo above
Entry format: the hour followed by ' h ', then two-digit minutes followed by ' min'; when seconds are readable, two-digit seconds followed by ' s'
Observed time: 12 h 16 min
